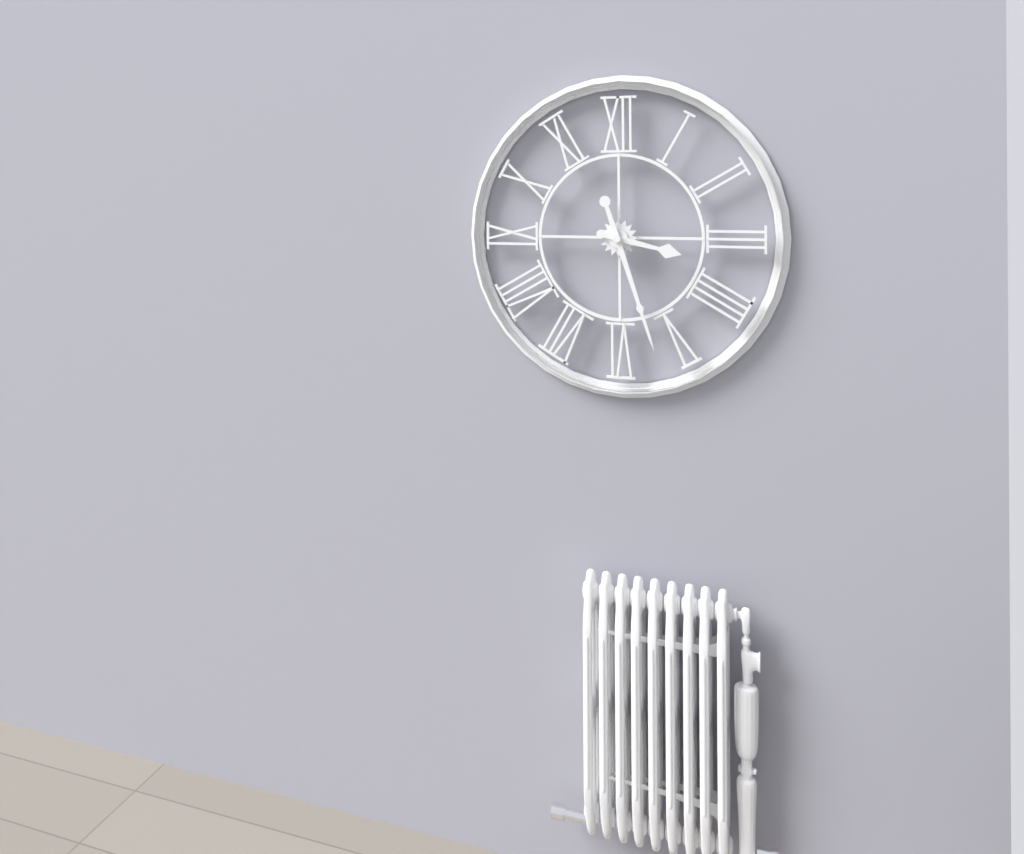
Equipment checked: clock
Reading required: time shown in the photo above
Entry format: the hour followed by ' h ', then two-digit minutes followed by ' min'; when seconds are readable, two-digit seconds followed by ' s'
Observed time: 3 h 27 min
